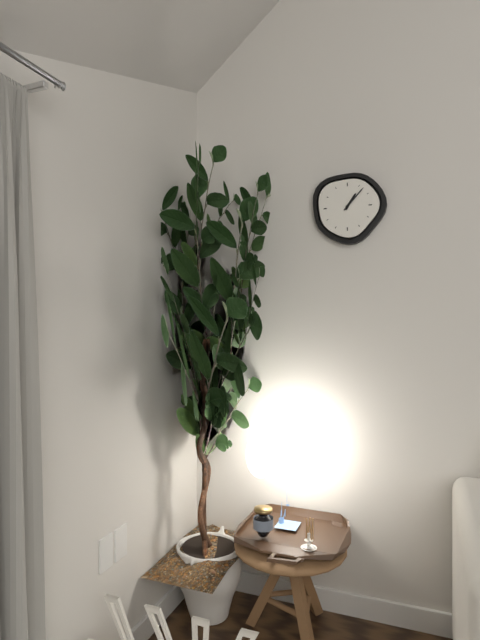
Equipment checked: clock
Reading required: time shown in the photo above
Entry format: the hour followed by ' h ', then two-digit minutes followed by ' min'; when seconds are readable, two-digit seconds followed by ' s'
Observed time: 1 h 07 min
